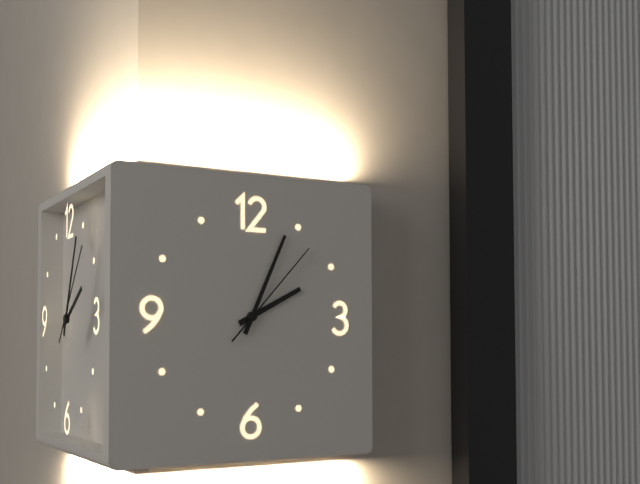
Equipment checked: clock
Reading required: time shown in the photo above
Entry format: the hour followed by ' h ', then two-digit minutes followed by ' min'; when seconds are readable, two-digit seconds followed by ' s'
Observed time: 2 h 04 min 07 s
